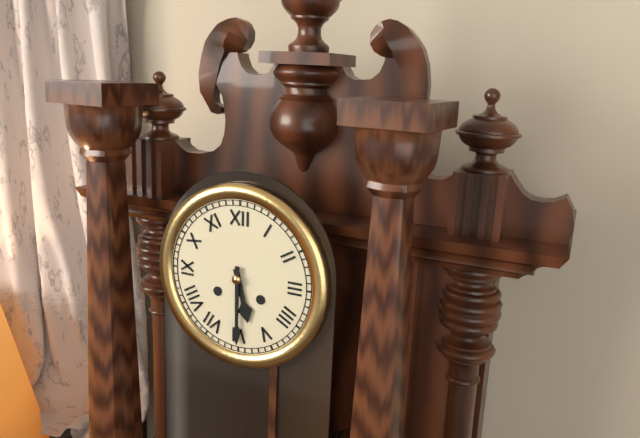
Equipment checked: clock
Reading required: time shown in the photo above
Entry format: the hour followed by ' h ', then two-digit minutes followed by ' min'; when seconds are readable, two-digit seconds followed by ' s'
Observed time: 5 h 30 min
